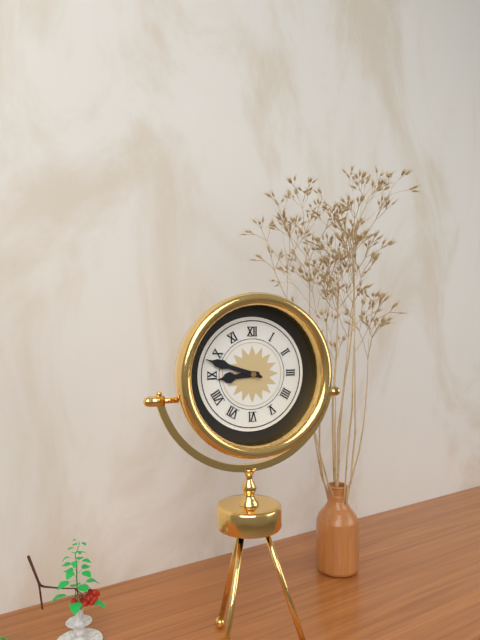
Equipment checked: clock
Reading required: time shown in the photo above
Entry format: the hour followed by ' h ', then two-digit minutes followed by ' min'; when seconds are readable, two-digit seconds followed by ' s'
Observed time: 8 h 48 min
